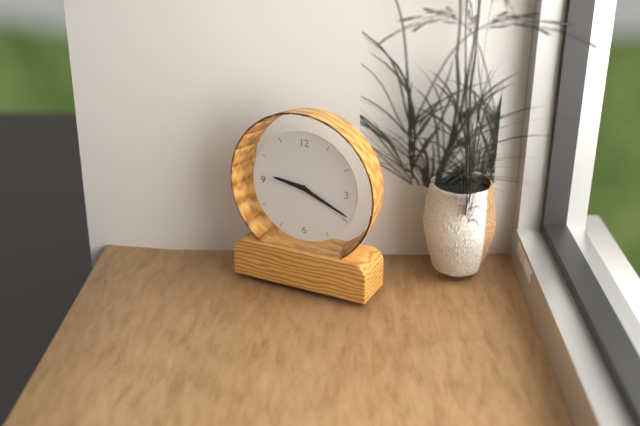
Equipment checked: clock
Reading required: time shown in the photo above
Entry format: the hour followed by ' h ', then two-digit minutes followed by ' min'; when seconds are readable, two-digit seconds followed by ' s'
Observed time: 9 h 19 min
